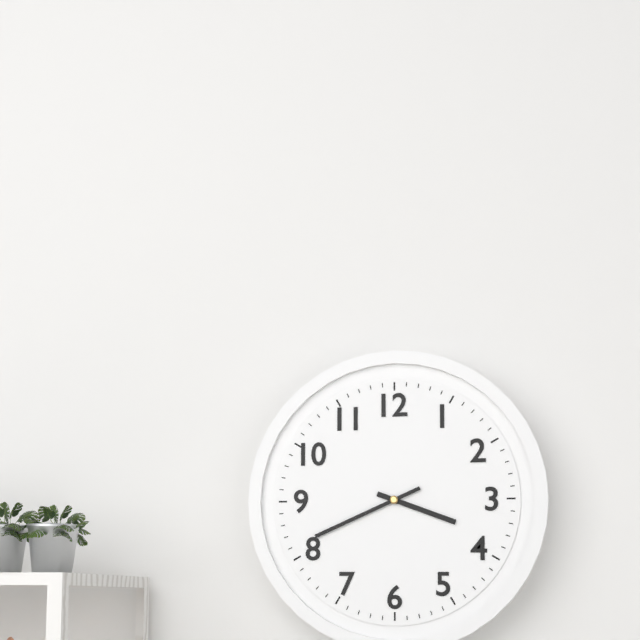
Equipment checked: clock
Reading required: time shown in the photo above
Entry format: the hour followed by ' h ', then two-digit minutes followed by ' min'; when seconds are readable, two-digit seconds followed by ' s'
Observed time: 3 h 41 min
